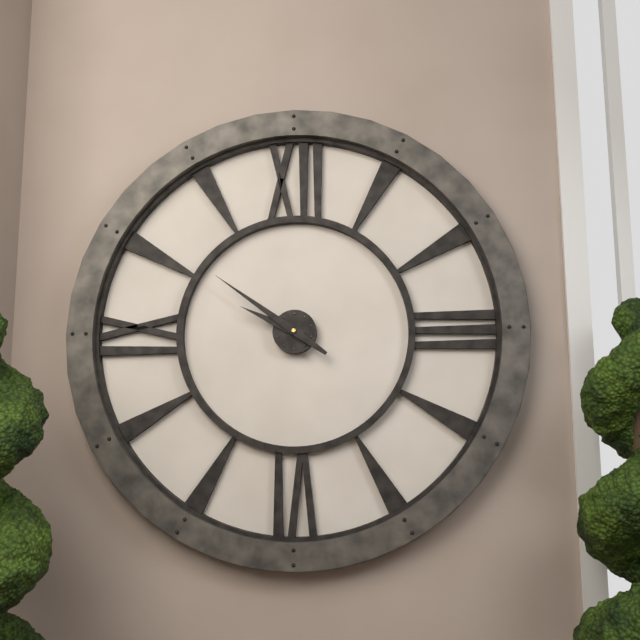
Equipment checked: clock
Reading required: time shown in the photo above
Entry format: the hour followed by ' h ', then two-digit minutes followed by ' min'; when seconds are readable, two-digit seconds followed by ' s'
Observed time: 9 h 51 min
